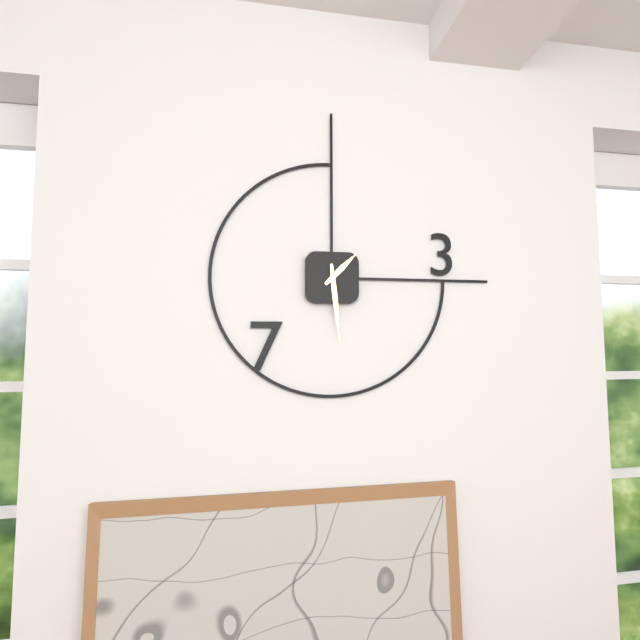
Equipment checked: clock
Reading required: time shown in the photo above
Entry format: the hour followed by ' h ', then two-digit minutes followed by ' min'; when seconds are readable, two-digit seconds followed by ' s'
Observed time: 1 h 29 min
